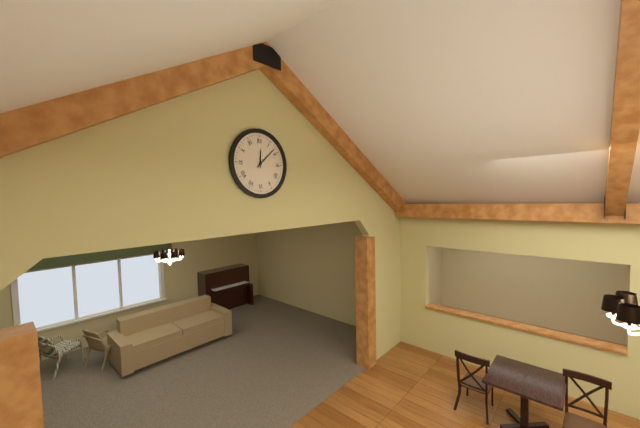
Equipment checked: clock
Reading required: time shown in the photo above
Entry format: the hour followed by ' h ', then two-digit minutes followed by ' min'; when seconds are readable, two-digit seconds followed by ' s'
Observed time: 12 h 08 min
